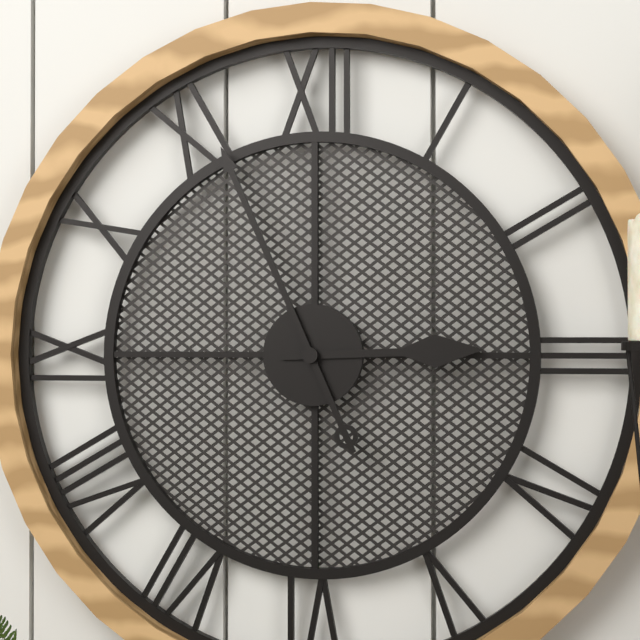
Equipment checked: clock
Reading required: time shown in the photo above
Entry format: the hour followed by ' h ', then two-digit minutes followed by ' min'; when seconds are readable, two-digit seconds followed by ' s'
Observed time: 2 h 56 min
